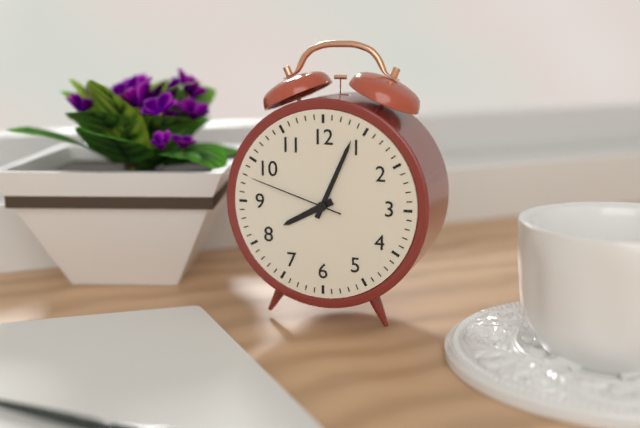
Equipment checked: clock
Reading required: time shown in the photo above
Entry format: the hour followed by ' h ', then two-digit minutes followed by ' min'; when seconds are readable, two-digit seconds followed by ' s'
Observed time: 8 h 04 min 48 s
